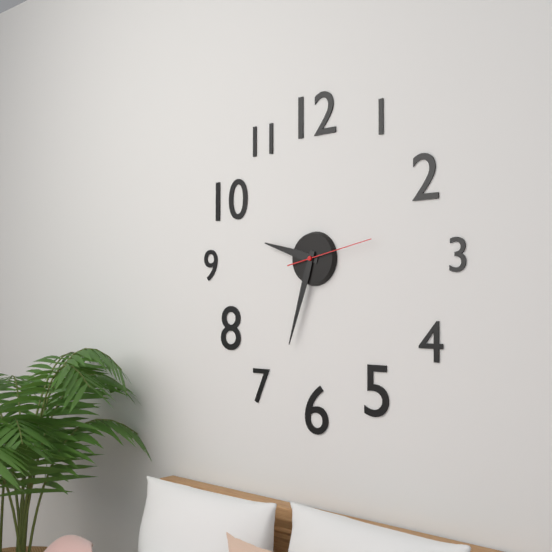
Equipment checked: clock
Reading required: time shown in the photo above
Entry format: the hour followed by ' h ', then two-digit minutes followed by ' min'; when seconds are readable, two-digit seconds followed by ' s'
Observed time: 9 h 33 min 13 s
